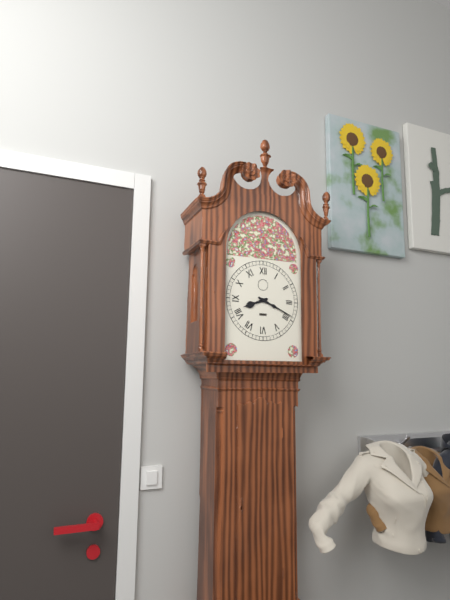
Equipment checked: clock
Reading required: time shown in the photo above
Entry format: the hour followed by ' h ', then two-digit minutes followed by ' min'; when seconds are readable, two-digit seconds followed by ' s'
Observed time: 8 h 19 min
